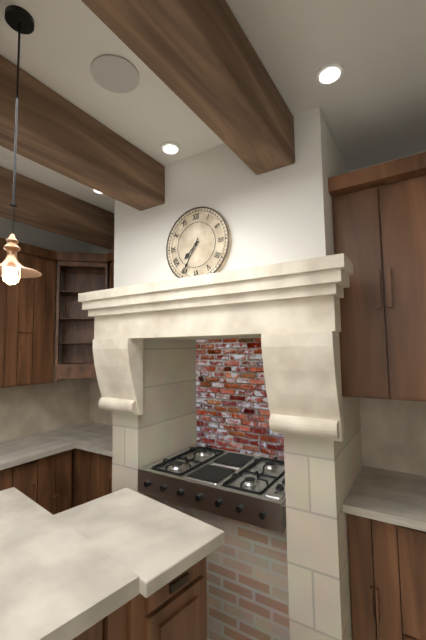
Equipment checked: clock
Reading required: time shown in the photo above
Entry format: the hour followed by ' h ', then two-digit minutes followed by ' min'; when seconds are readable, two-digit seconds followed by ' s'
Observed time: 7 h 35 min
